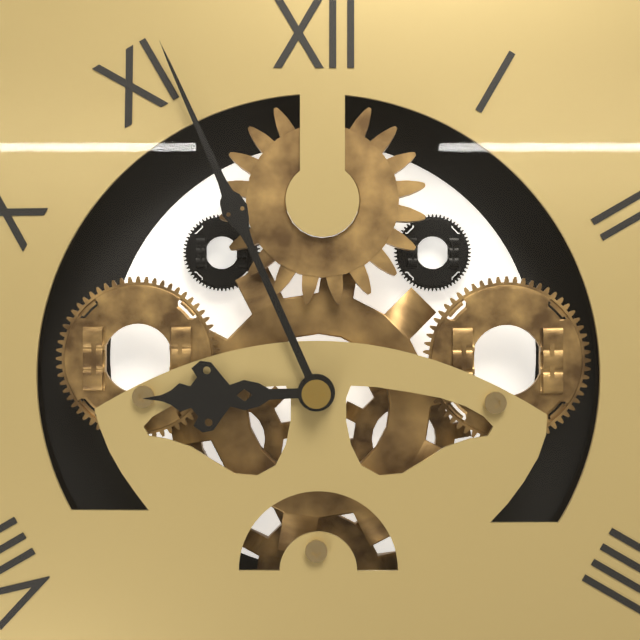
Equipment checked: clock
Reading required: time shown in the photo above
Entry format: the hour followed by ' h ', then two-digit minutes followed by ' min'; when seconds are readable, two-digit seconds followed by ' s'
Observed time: 8 h 56 min
